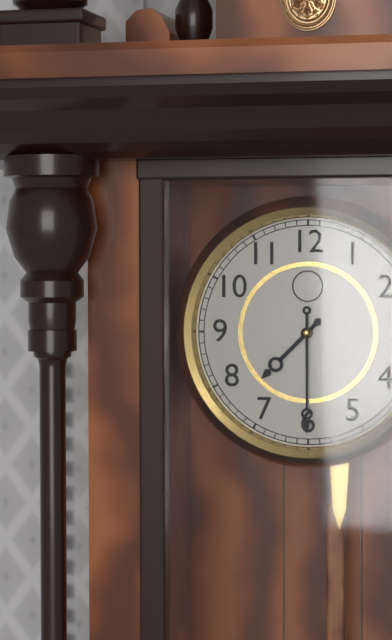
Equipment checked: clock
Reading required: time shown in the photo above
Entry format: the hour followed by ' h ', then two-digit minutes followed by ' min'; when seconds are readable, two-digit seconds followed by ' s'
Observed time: 7 h 30 min
